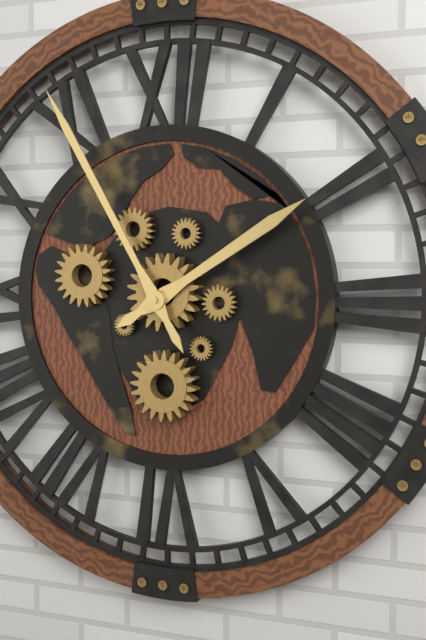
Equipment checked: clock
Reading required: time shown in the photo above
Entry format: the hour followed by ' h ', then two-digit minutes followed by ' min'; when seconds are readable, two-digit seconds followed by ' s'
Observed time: 1 h 55 min
